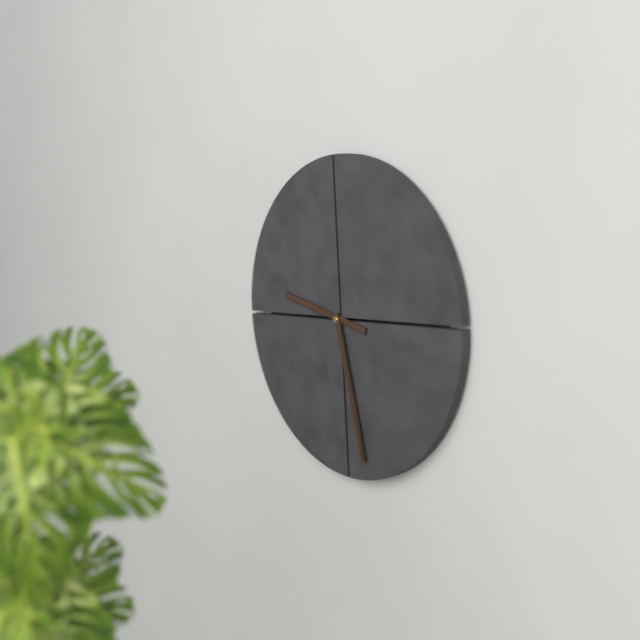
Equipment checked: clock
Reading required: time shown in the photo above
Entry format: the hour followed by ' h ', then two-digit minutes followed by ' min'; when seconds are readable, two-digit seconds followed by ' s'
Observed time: 9 h 28 min
